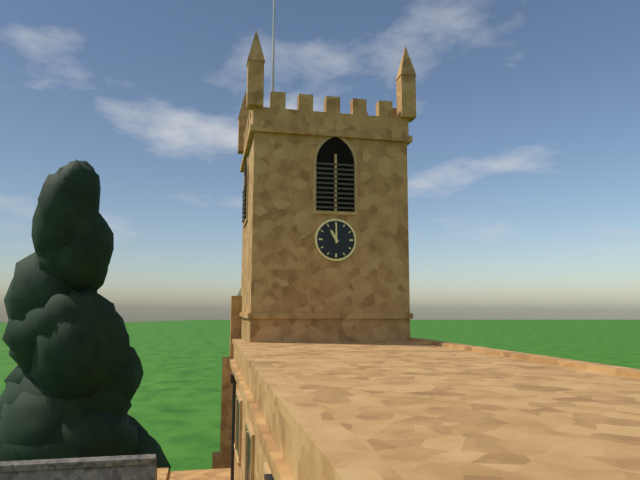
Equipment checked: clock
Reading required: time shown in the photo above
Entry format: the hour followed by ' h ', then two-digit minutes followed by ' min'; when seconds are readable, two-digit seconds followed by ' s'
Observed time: 11 h 00 min
